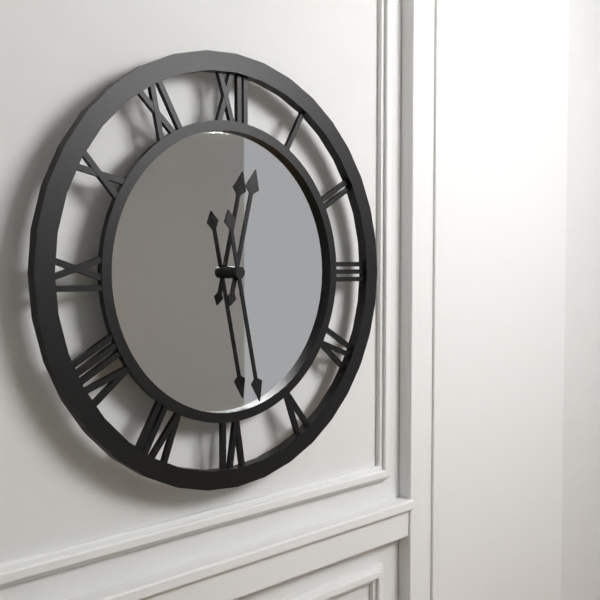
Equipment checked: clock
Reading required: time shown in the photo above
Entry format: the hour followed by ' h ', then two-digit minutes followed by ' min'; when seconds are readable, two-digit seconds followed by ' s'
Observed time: 12 h 28 min
